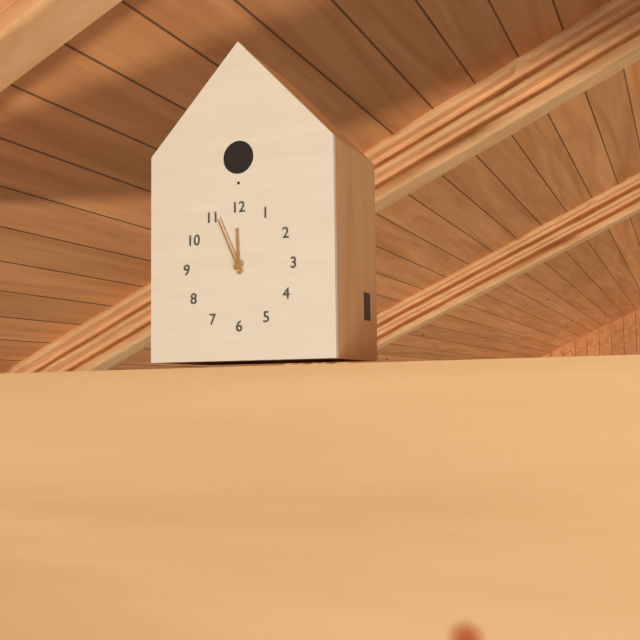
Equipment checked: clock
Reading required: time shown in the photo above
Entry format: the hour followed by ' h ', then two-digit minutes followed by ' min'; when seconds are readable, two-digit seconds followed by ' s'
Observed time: 11 h 56 min
